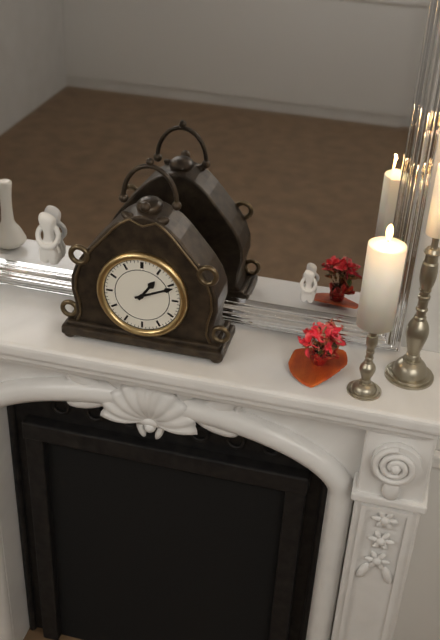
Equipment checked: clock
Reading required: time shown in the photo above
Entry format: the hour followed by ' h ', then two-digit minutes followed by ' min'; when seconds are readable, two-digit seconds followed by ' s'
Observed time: 1 h 11 min
